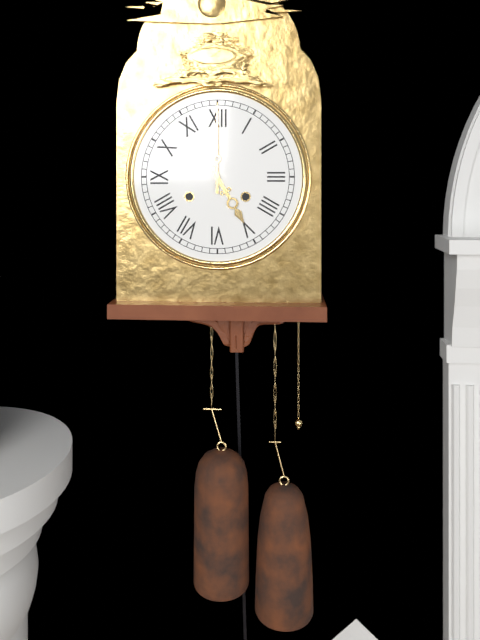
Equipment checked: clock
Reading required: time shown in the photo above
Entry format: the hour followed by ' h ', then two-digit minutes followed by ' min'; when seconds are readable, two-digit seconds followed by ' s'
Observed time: 5 h 00 min
